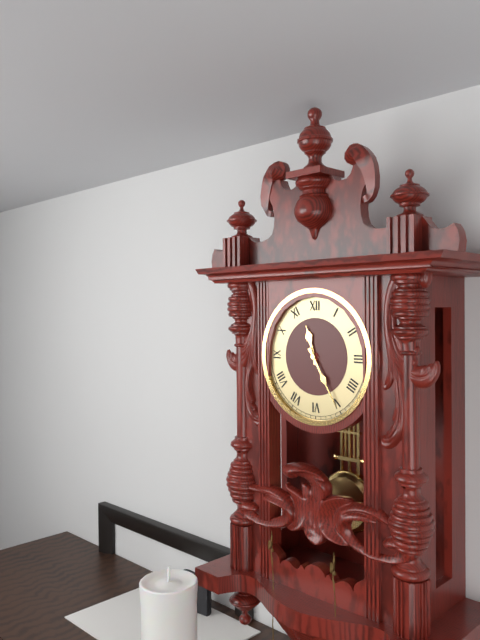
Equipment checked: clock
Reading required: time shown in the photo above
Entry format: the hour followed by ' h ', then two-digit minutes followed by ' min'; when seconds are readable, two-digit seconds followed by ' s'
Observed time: 11 h 25 min
